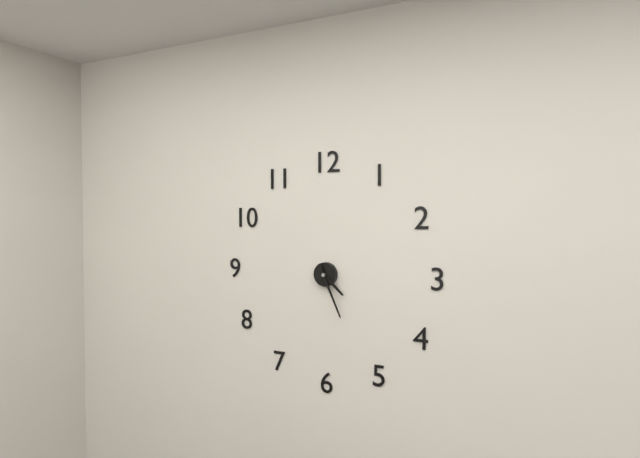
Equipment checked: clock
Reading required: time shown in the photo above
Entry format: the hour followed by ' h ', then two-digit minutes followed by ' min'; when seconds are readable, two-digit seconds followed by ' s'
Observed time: 4 h 26 min
